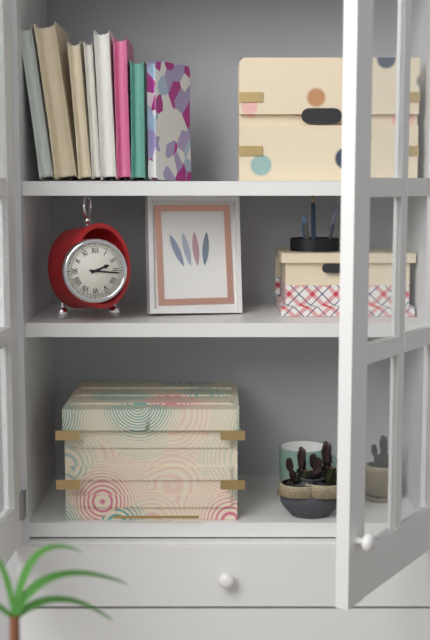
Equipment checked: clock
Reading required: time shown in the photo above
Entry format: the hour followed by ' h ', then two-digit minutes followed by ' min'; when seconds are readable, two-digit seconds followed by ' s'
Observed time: 2 h 16 min
